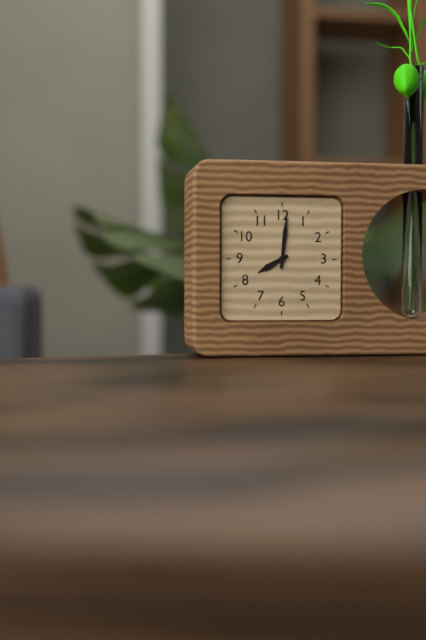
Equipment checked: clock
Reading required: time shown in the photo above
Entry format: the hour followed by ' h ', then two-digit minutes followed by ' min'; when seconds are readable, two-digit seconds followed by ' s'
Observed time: 8 h 01 min
